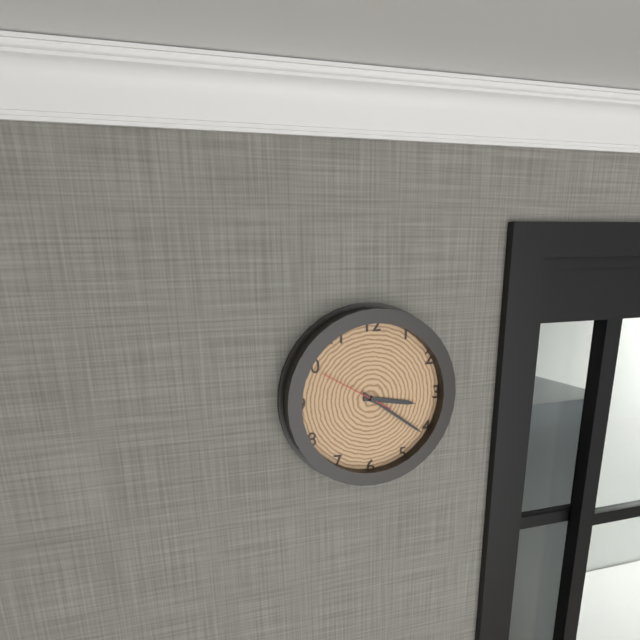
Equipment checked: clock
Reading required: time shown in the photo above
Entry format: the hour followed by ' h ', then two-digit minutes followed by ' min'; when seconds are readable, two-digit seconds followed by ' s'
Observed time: 3 h 21 min 50 s
